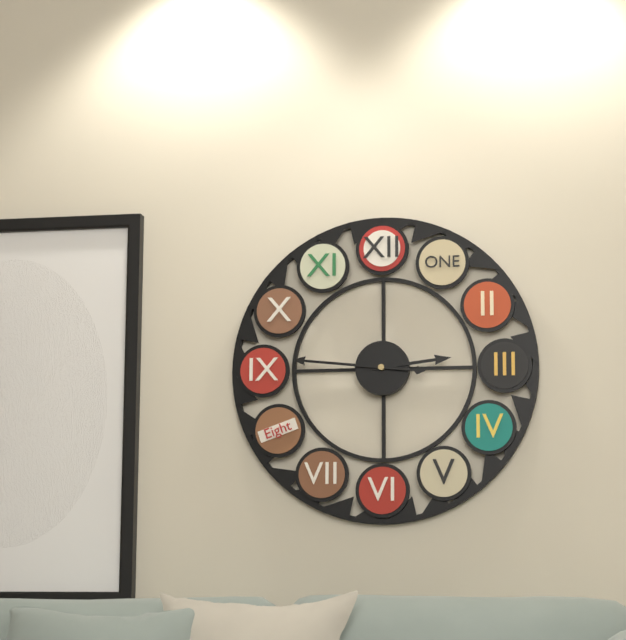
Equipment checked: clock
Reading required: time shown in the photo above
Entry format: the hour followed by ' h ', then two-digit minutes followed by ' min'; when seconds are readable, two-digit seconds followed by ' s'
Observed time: 2 h 46 min
